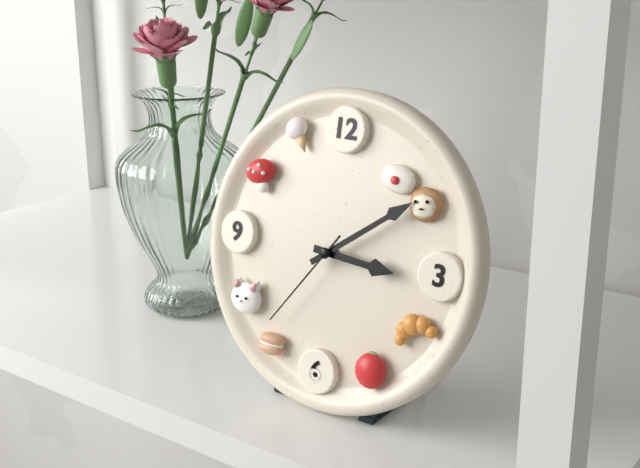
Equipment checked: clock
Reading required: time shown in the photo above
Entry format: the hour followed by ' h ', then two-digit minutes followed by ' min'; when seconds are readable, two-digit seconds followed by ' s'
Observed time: 3 h 09 min 36 s
